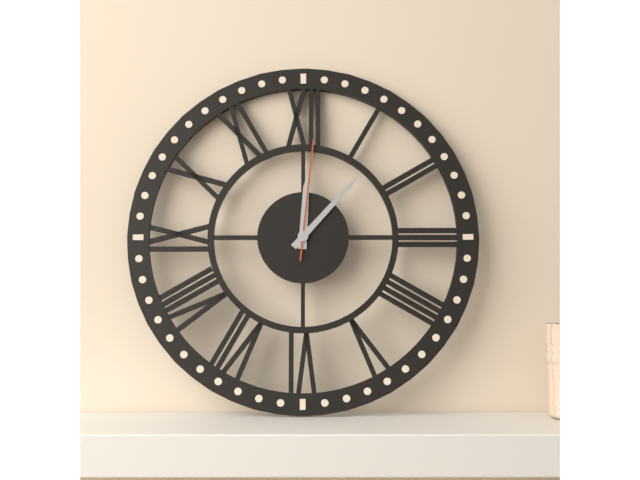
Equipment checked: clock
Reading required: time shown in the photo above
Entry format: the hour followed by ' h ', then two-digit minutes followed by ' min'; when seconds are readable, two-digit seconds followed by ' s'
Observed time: 12 h 07 min 01 s
